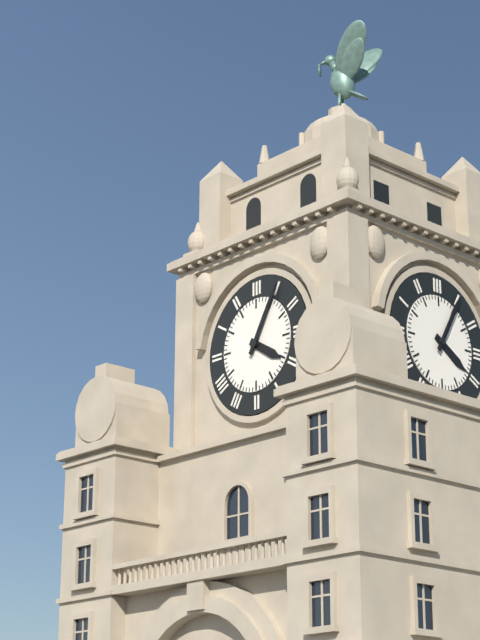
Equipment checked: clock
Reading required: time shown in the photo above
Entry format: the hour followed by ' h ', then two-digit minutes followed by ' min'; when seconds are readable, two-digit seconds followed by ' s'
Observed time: 4 h 05 min
